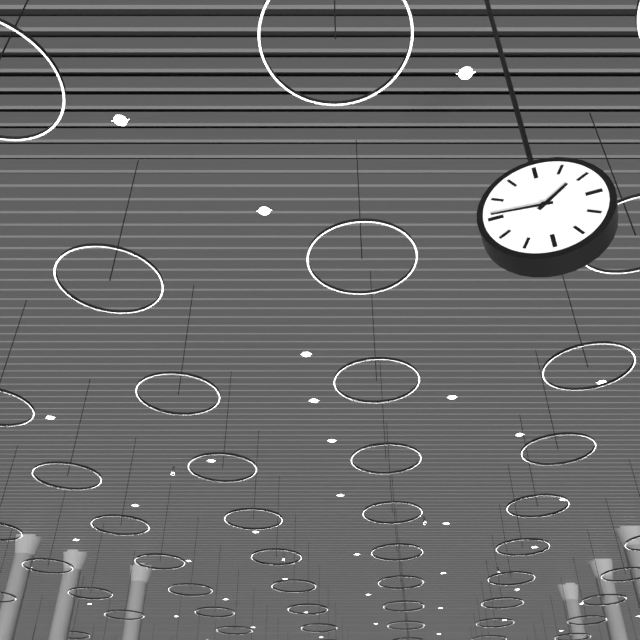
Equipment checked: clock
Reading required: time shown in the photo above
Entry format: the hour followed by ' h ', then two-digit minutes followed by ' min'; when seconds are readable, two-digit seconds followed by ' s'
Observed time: 1 h 46 min
